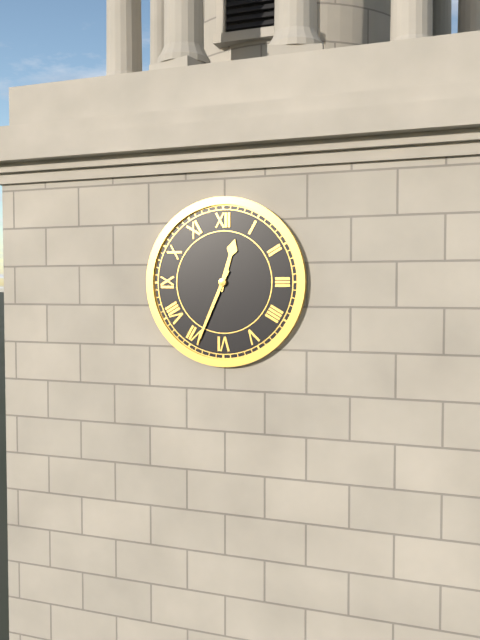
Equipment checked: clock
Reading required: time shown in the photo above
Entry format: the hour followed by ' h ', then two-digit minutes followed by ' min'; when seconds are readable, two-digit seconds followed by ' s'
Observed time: 12 h 34 min
